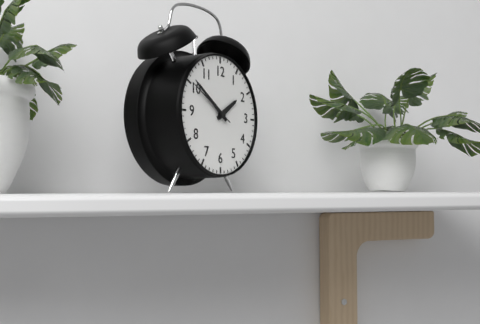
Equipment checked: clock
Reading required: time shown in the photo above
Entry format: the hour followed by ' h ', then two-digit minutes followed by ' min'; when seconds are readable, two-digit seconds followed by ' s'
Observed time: 1 h 51 min 50 s
